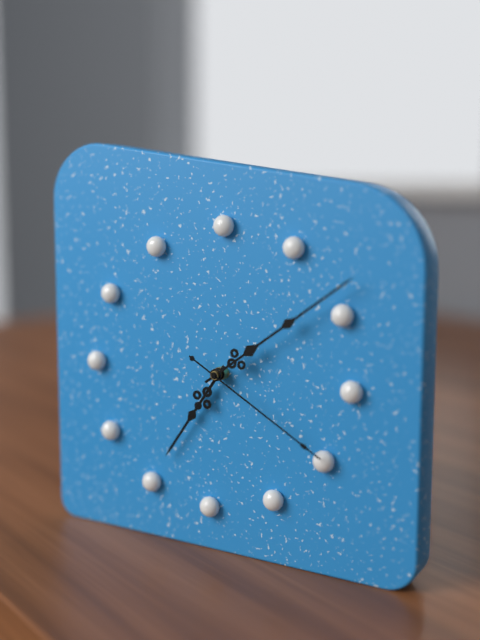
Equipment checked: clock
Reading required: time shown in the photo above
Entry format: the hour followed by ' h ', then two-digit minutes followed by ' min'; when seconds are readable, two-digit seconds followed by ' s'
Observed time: 7 h 09 min 20 s
